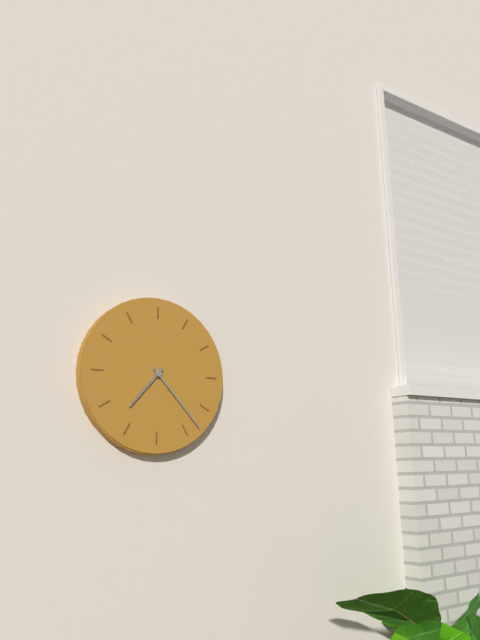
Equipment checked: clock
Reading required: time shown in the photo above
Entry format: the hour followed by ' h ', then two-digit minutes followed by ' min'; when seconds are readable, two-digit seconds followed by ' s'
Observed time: 7 h 23 min
